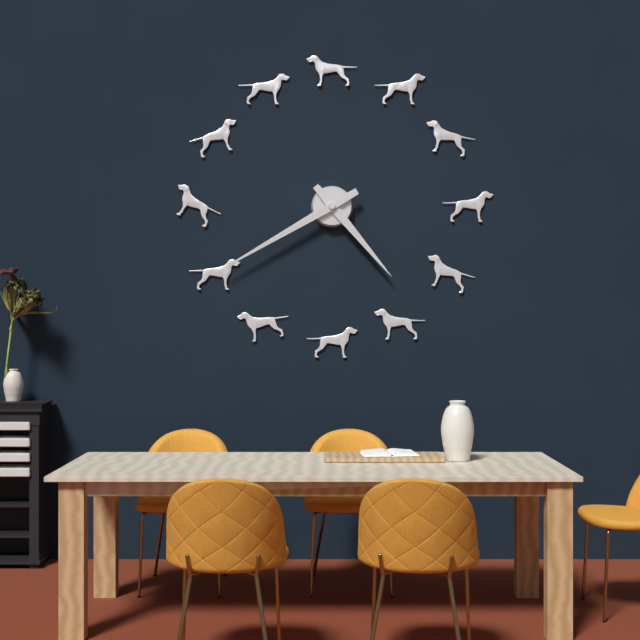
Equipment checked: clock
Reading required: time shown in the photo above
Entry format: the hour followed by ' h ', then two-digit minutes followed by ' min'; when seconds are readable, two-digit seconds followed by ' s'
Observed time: 4 h 40 min
